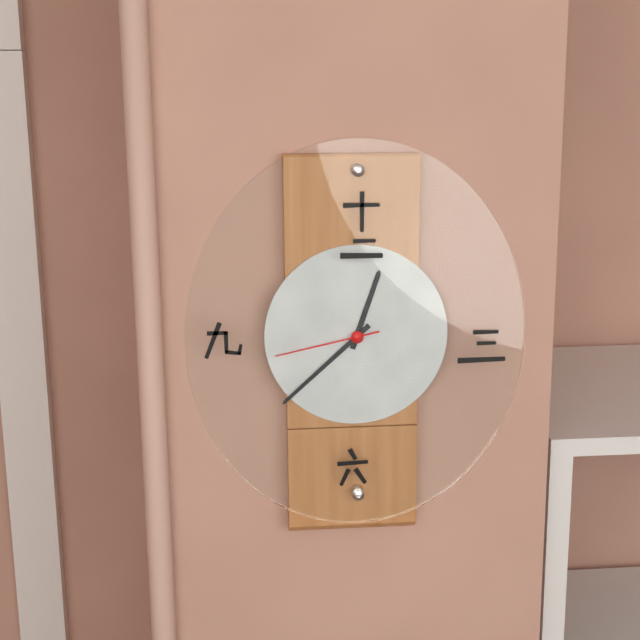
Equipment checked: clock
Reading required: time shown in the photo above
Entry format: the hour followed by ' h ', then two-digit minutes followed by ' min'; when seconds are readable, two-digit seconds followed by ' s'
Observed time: 12 h 38 min 43 s
